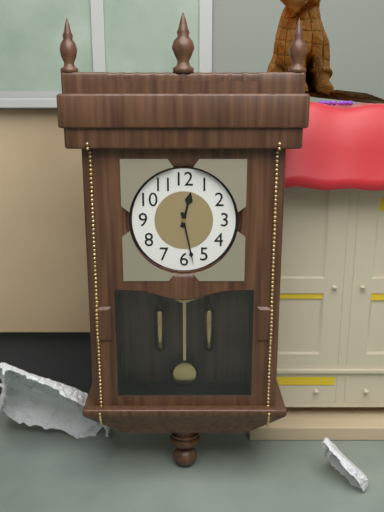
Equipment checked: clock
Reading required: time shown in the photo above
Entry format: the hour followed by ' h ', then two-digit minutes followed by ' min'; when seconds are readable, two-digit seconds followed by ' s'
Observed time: 12 h 28 min
